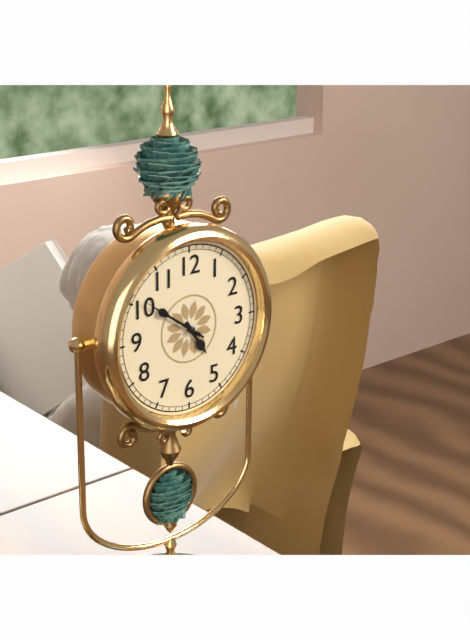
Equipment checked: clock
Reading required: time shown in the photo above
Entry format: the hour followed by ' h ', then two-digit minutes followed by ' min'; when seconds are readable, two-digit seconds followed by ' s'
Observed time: 4 h 51 min 51 s
